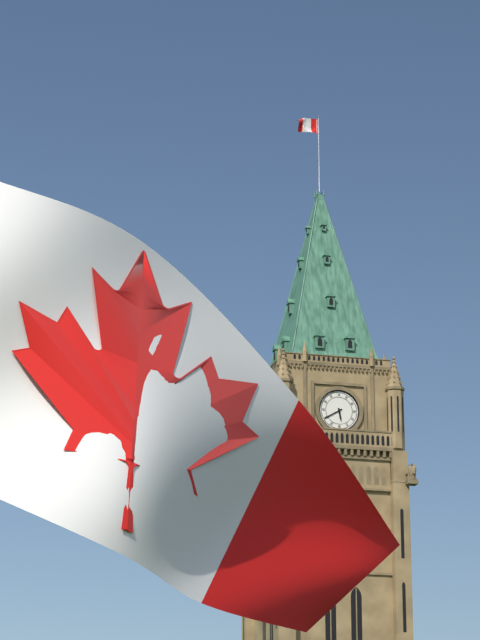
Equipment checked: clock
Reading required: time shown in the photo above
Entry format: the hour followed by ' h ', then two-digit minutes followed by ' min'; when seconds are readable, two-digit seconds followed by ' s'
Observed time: 5 h 40 min
